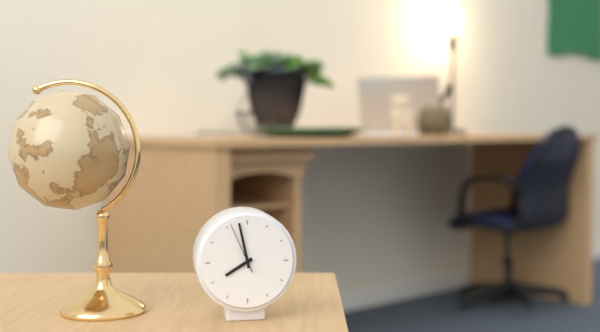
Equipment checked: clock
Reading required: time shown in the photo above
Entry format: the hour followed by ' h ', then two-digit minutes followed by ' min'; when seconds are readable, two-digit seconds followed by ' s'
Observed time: 7 h 58 min 56 s
